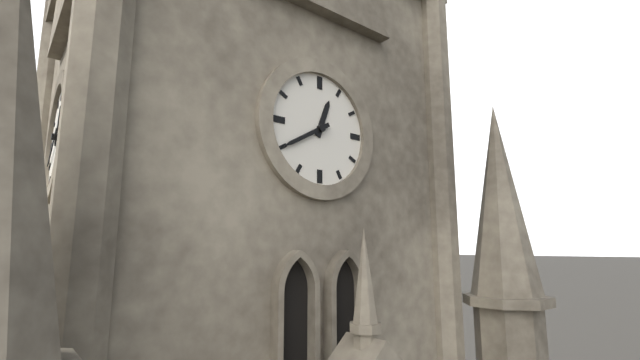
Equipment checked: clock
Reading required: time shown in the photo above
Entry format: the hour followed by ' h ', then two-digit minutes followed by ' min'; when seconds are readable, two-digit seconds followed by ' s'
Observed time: 12 h 40 min
